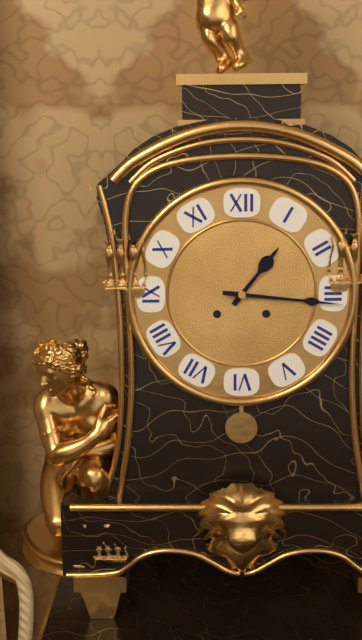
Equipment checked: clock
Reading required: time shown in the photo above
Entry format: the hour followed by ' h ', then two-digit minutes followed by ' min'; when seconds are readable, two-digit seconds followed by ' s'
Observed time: 1 h 16 min
